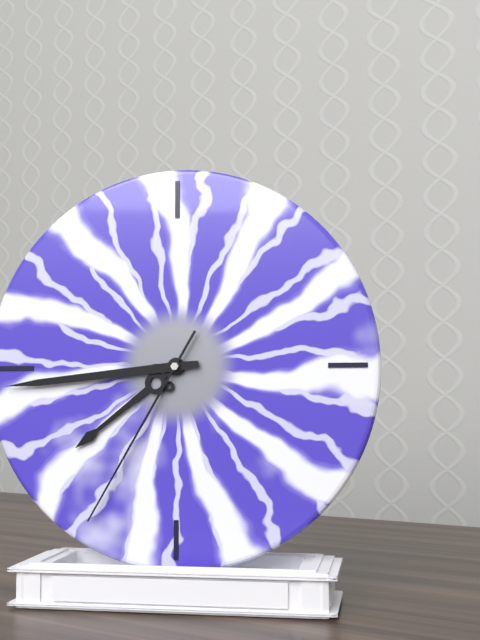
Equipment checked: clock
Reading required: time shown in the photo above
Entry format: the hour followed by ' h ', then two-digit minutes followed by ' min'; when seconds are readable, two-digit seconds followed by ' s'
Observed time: 7 h 44 min 35 s
